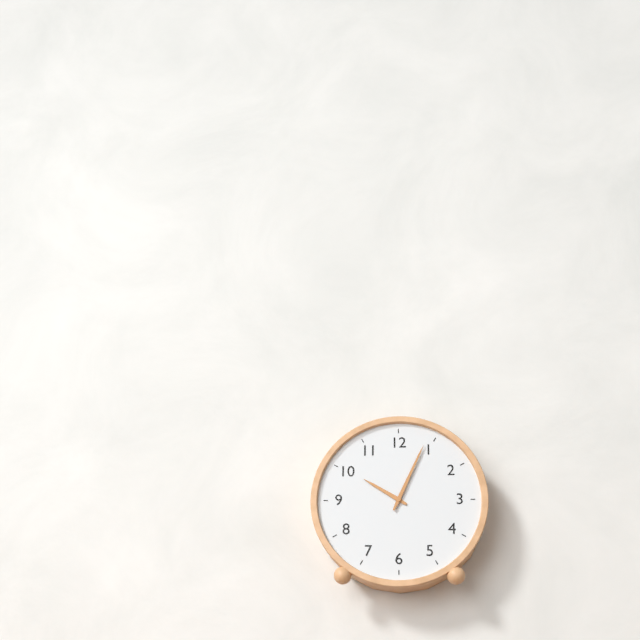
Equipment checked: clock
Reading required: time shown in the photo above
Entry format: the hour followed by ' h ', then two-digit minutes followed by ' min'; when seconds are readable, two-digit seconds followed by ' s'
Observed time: 10 h 04 min
